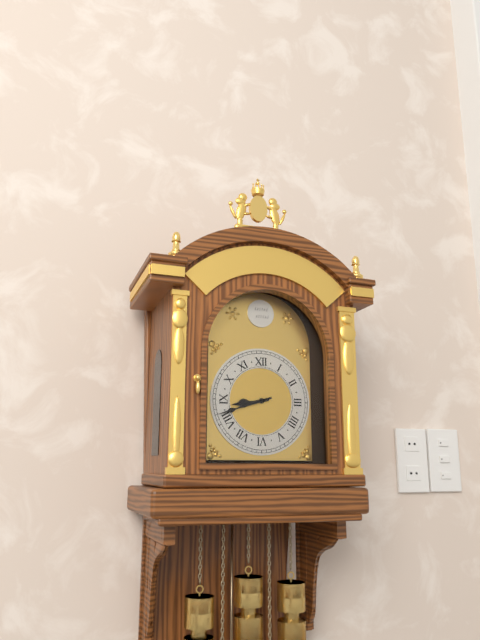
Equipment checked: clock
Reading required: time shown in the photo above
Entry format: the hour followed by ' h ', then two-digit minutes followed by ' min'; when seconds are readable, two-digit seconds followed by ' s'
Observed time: 8 h 42 min
